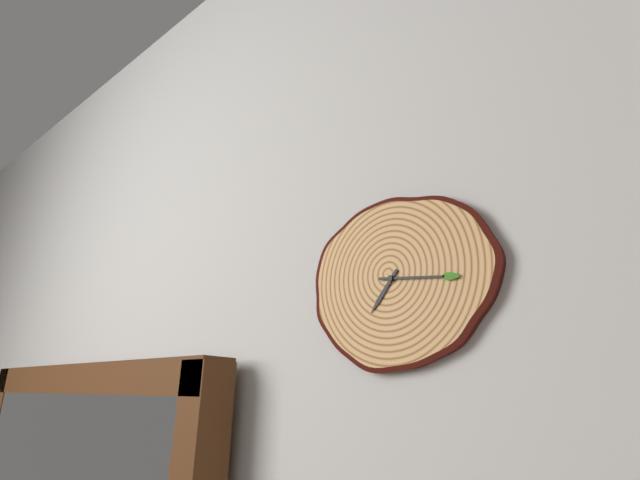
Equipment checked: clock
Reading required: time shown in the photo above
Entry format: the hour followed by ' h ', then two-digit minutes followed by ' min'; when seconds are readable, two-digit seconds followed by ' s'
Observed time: 7 h 16 min
